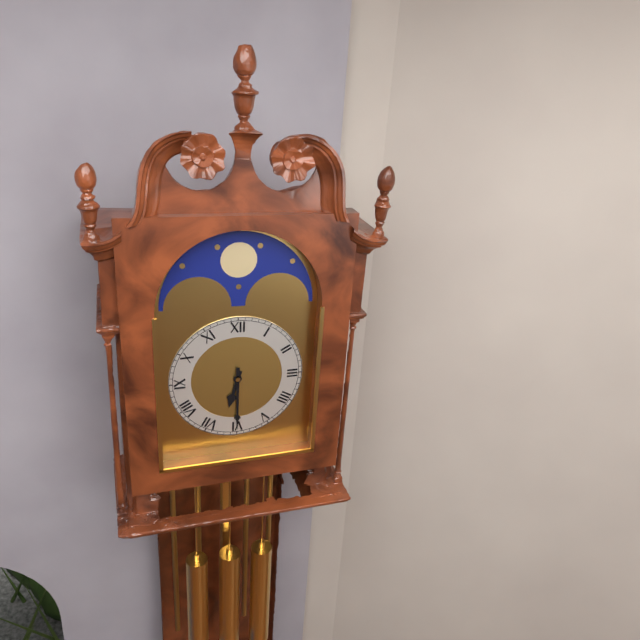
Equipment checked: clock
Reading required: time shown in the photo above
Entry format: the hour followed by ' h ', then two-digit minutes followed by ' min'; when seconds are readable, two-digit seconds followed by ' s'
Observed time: 6 h 30 min
